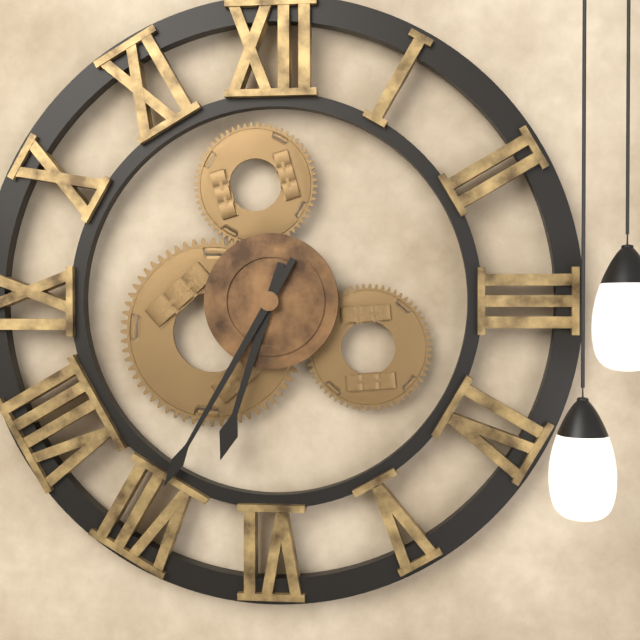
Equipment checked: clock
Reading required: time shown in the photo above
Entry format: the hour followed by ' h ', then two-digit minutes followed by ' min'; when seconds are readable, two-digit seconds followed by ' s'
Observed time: 6 h 35 min
